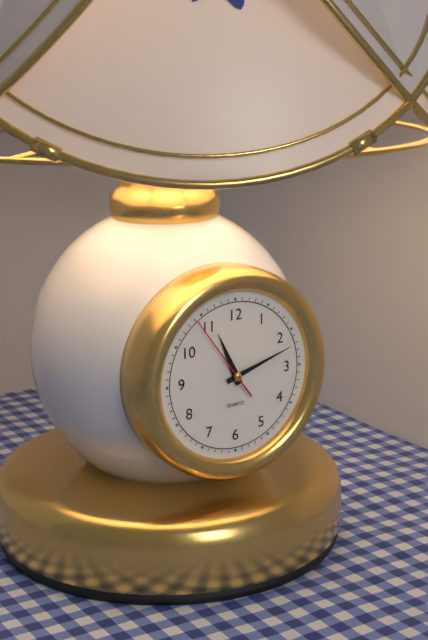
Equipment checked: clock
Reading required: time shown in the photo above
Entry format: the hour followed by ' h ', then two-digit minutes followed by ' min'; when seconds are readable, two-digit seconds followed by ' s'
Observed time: 11 h 12 min 54 s
